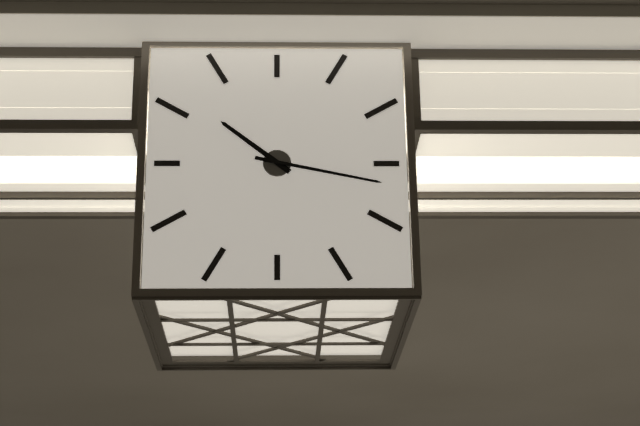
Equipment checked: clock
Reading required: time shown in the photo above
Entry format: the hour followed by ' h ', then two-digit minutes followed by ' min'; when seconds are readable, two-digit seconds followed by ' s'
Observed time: 10 h 17 min
